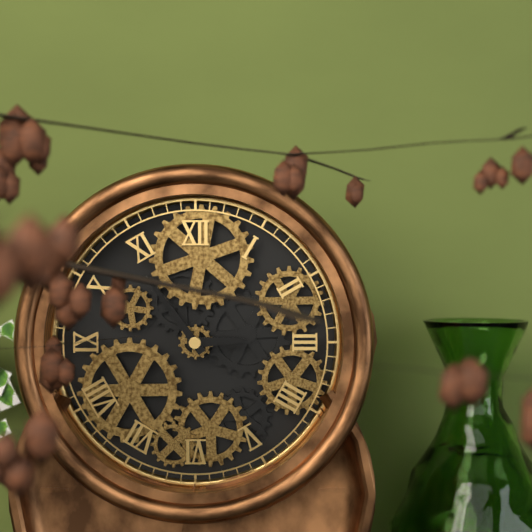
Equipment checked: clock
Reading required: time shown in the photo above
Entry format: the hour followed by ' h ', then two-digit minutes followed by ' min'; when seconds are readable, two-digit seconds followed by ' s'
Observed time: 2 h 54 min
